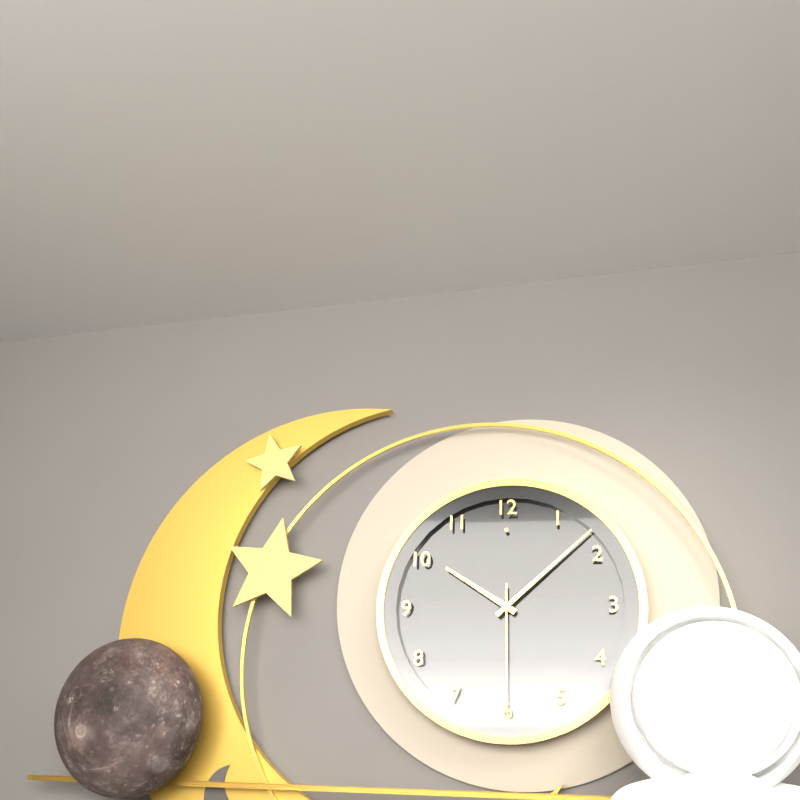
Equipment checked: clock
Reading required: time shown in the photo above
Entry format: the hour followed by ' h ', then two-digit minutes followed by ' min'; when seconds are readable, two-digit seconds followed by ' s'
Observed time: 10 h 08 min 30 s
